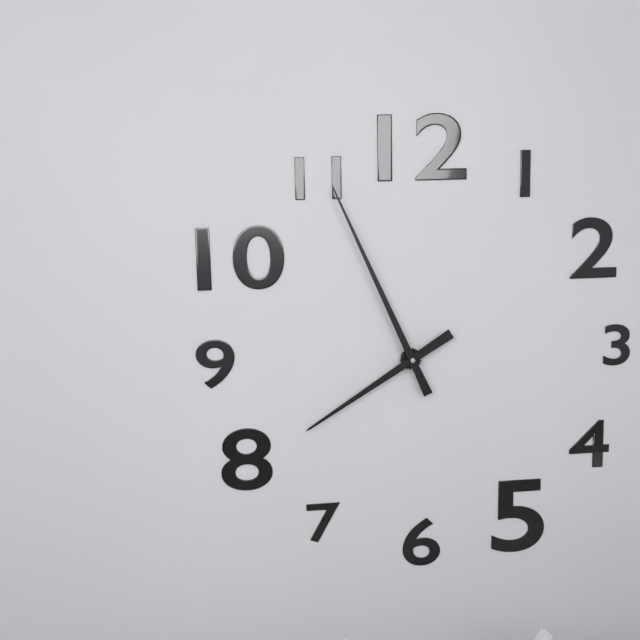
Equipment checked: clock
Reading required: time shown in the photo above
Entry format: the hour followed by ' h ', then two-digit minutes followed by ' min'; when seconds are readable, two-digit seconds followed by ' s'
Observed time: 7 h 56 min
